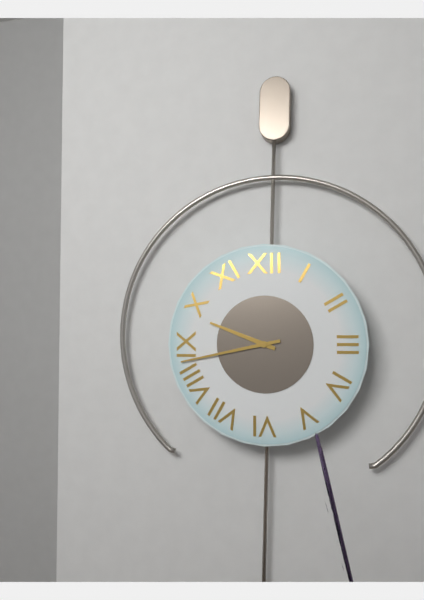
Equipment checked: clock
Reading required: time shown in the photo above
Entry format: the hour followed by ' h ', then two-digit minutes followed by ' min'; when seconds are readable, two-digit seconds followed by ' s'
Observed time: 9 h 43 min
